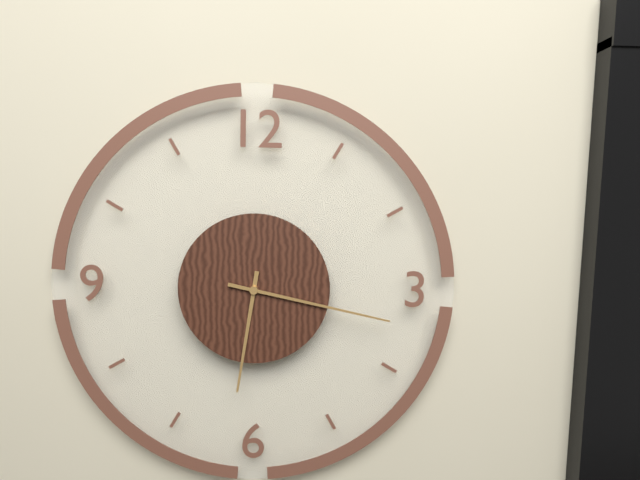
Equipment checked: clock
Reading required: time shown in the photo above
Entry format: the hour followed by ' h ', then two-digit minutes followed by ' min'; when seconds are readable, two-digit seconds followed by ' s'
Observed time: 6 h 17 min
